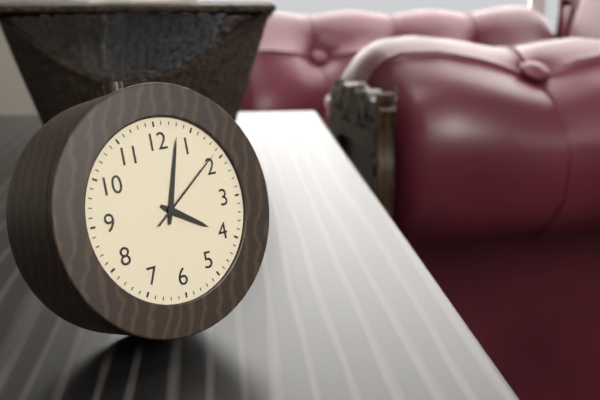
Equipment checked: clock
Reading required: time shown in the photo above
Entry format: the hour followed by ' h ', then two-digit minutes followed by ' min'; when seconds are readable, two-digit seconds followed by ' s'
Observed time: 4 h 03 min 09 s
